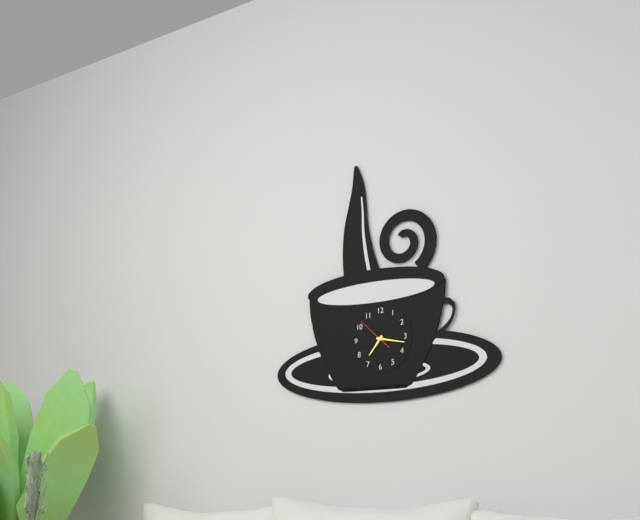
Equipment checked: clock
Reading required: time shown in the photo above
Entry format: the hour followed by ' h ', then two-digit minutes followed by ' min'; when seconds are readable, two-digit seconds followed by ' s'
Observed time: 7 h 17 min
